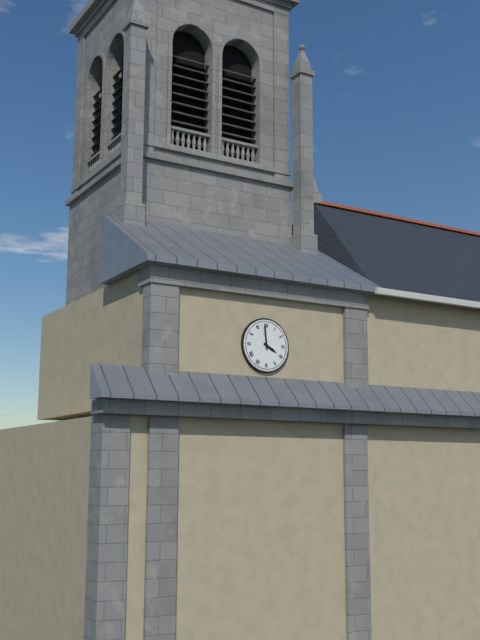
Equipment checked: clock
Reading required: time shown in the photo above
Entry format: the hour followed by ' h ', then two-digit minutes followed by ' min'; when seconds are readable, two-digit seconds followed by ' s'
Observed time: 3 h 59 min
